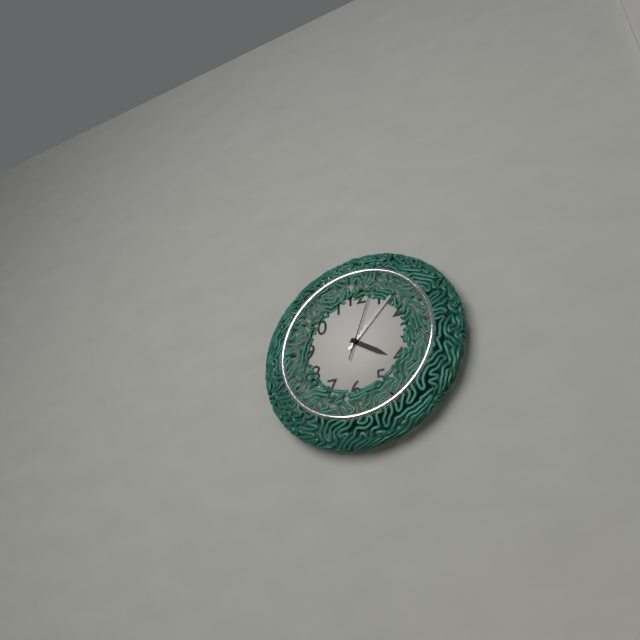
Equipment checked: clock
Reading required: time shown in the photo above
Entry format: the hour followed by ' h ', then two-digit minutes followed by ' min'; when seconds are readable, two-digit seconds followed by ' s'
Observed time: 4 h 07 min 03 s
